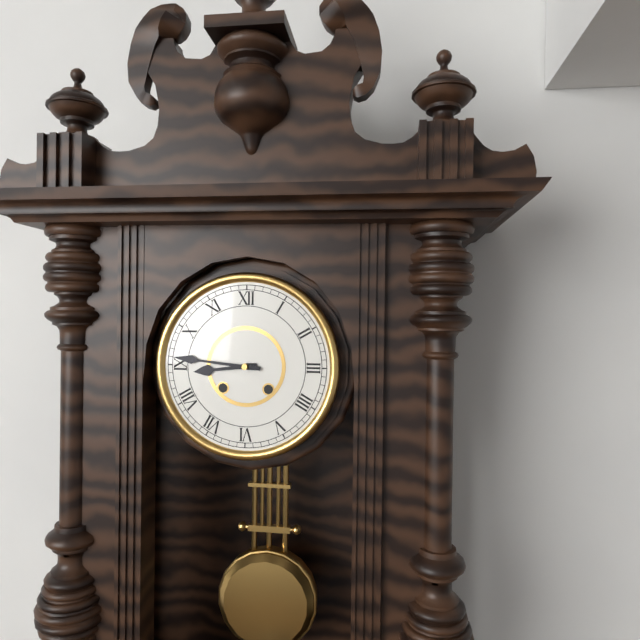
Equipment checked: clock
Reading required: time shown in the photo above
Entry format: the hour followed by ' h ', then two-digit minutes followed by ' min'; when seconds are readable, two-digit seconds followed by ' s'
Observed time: 8 h 46 min
